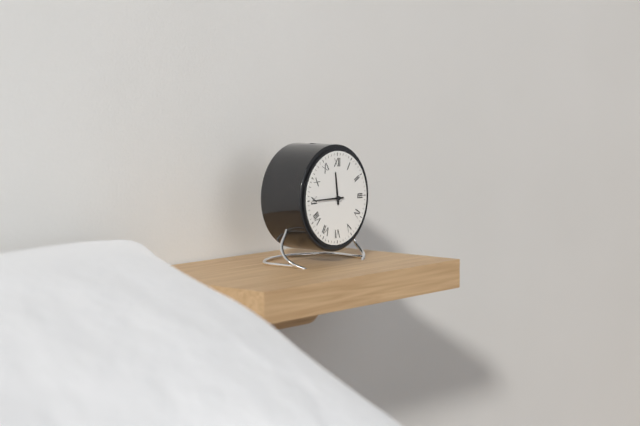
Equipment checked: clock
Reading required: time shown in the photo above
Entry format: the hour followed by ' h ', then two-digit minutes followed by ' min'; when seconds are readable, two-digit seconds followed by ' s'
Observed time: 11 h 45 min
